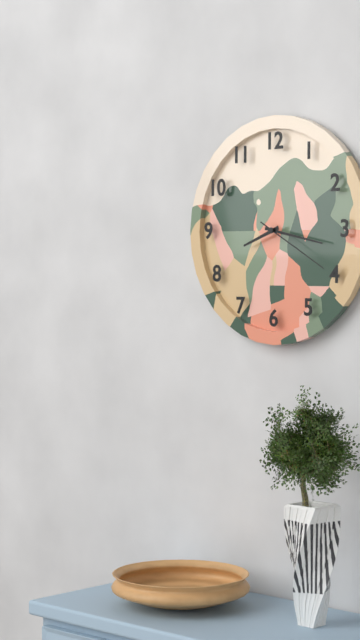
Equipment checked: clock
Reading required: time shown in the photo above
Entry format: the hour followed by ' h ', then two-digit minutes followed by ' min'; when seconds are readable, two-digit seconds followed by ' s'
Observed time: 8 h 17 min 20 s
